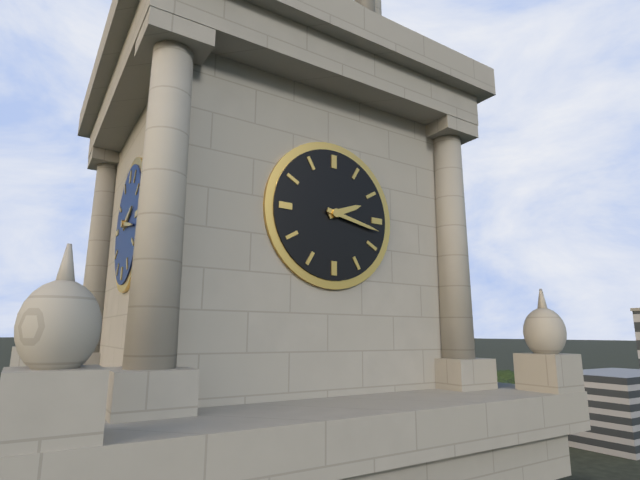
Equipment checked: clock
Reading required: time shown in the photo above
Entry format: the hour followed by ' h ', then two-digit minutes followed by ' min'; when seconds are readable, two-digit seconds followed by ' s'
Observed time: 2 h 17 min
